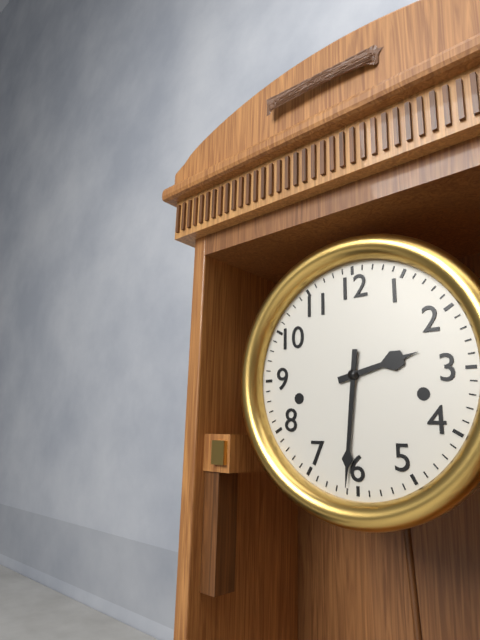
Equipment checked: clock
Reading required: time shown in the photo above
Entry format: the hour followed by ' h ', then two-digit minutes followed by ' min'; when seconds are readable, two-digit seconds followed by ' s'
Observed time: 2 h 31 min
